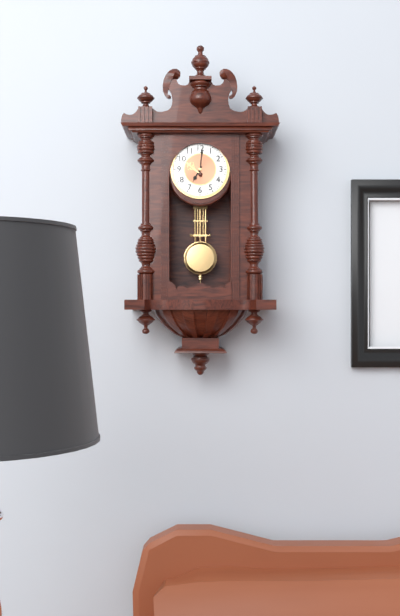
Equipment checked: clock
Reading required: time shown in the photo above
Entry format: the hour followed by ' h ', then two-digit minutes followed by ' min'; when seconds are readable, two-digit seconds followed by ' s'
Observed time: 7 h 01 min
